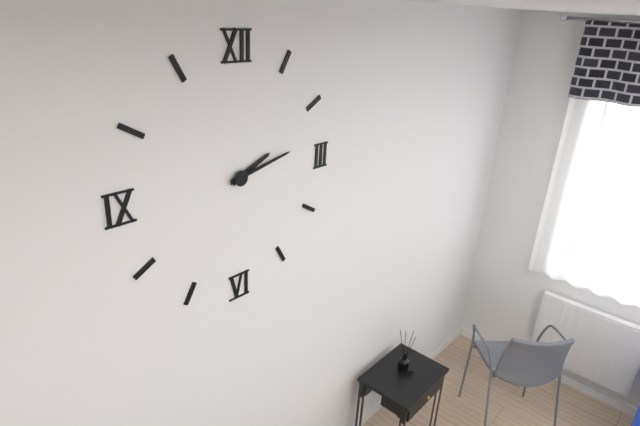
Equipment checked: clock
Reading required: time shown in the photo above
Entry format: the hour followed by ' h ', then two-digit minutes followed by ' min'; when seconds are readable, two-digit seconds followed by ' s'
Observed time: 2 h 13 min
